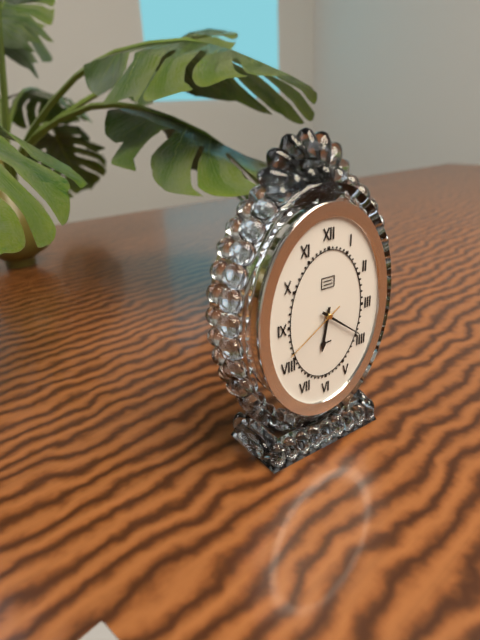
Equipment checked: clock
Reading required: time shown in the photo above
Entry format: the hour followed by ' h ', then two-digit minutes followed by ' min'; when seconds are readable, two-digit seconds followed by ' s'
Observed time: 6 h 21 min 40 s
